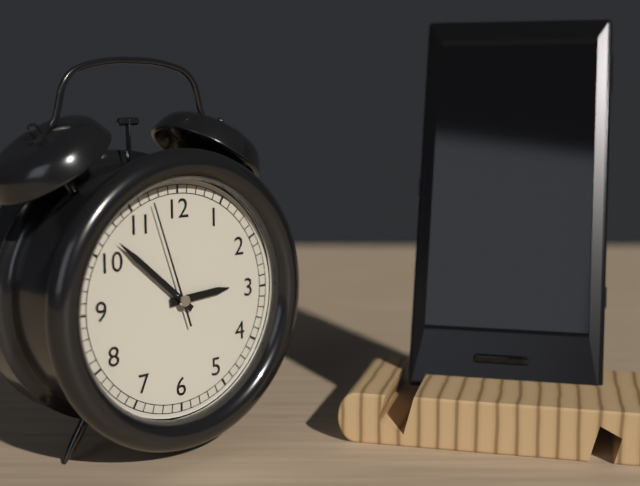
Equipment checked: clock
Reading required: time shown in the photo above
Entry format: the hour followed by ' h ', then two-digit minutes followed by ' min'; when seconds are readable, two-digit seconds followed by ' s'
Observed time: 2 h 52 min 57 s
